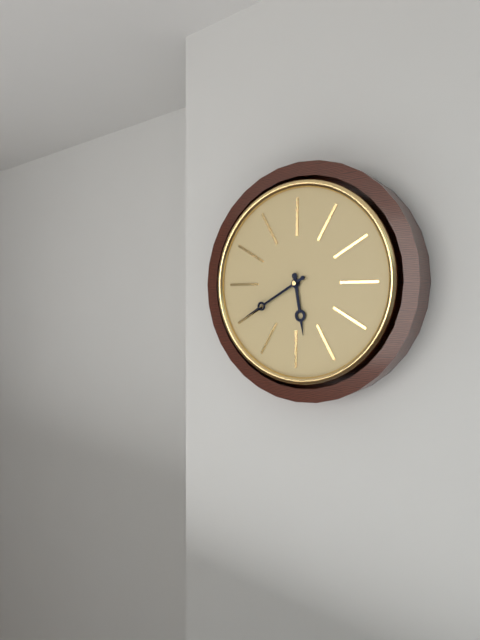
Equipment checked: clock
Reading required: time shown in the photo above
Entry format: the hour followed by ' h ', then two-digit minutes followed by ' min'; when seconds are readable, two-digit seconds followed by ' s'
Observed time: 5 h 40 min
